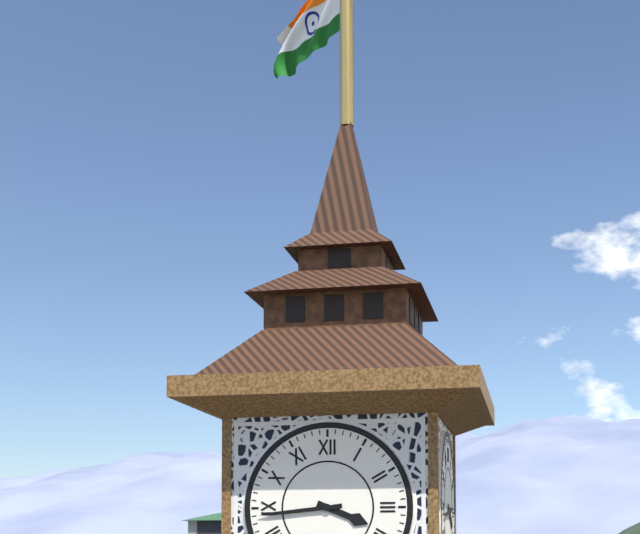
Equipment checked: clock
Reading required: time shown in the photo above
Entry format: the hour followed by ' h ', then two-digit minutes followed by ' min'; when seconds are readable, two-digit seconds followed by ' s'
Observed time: 3 h 44 min
